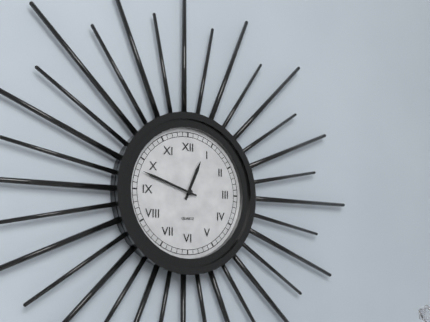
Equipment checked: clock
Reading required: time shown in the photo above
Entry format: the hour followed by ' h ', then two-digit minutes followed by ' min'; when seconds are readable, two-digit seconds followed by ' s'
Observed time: 12 h 48 min
